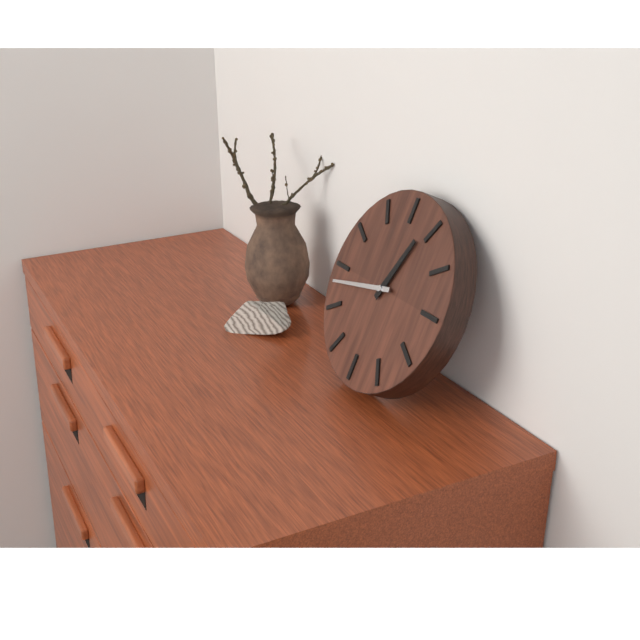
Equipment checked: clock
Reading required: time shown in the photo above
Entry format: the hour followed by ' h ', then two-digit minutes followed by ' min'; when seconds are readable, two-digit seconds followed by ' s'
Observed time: 12 h 43 min
